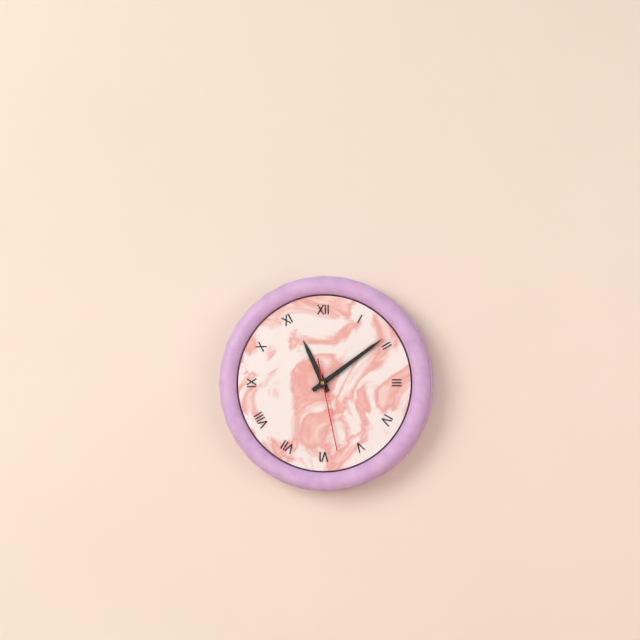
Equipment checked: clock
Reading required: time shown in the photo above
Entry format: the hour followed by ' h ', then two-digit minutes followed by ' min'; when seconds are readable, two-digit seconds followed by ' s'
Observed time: 11 h 09 min 28 s
